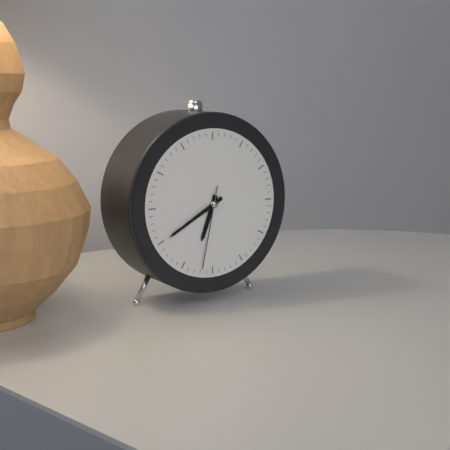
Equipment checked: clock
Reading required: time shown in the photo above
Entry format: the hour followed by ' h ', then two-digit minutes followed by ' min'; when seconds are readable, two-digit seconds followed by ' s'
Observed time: 6 h 40 min 32 s
